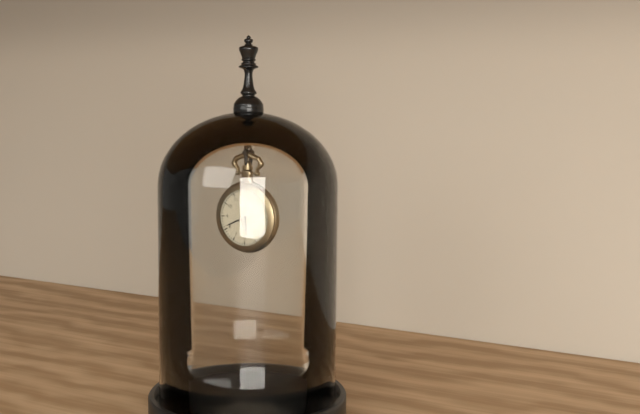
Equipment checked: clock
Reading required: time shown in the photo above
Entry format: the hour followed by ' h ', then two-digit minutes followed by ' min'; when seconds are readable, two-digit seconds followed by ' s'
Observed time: 5 h 41 min
